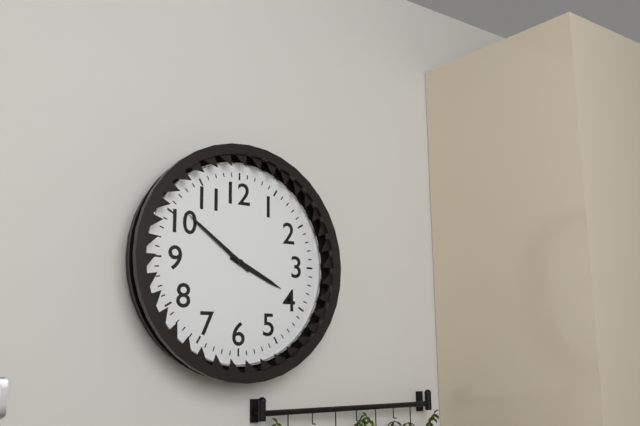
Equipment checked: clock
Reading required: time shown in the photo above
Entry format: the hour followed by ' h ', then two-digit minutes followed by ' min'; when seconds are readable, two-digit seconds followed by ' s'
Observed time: 3 h 51 min
